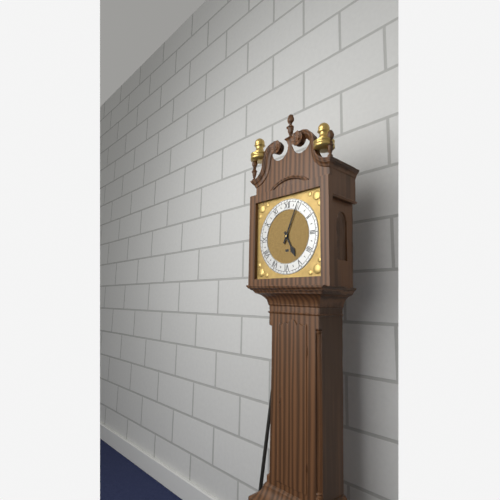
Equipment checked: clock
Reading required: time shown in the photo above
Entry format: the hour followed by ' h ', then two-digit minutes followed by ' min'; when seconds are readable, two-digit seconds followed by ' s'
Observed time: 5 h 04 min
